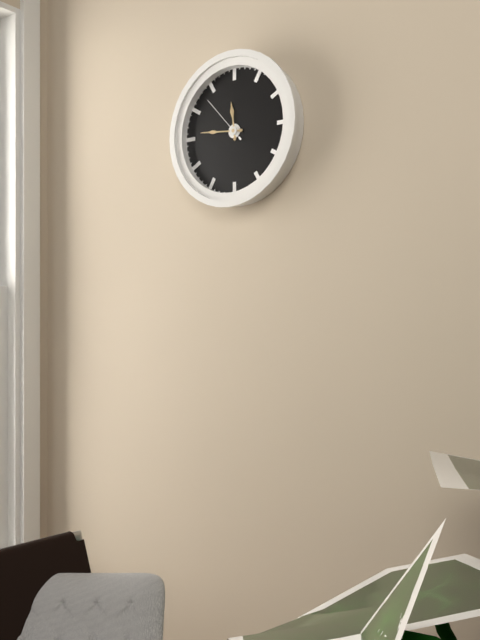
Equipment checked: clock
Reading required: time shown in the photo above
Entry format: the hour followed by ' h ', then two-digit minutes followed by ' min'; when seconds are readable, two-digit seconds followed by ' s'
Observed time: 11 h 46 min 53 s
